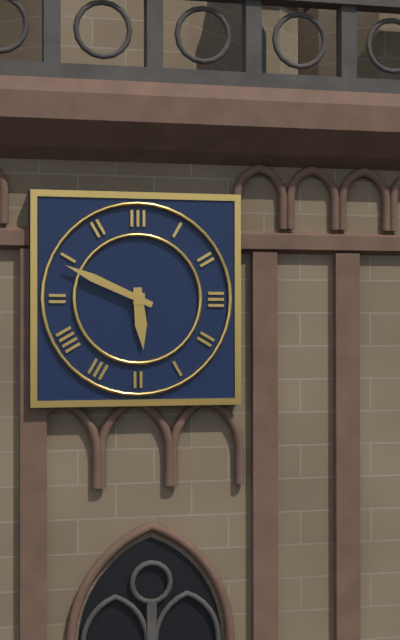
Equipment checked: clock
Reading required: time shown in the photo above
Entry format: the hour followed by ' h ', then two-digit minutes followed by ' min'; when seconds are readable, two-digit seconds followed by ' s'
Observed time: 5 h 49 min
